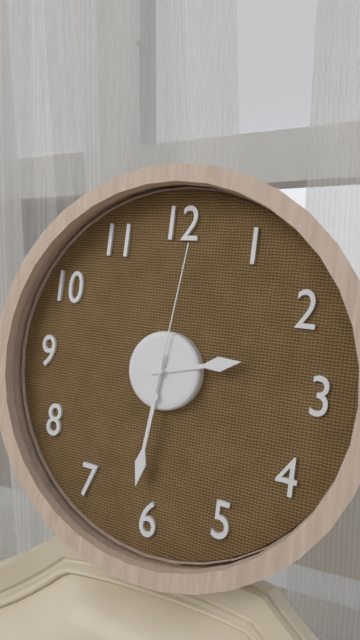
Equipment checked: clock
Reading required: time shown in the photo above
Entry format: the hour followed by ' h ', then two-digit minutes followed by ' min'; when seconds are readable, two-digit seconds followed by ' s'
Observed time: 2 h 31 min 01 s
